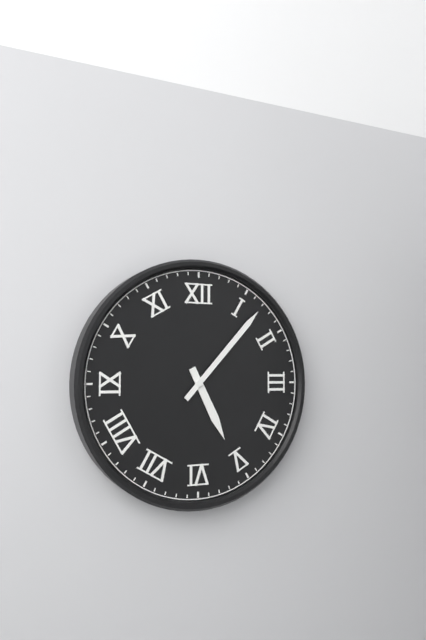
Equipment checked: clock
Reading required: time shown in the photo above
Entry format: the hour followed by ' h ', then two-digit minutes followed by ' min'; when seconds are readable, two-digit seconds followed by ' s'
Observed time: 5 h 07 min
